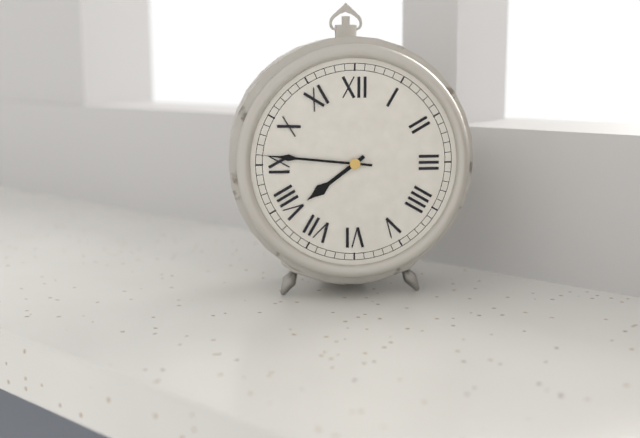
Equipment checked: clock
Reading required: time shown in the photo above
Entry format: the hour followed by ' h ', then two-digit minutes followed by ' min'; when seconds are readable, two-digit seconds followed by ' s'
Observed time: 7 h 46 min
